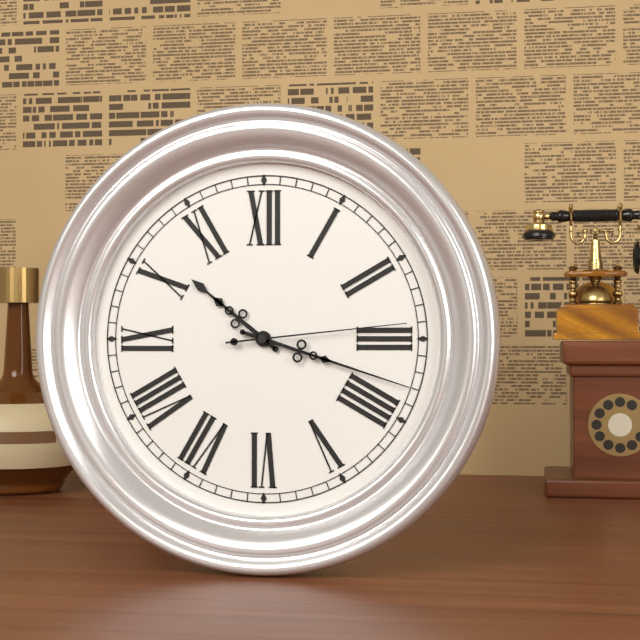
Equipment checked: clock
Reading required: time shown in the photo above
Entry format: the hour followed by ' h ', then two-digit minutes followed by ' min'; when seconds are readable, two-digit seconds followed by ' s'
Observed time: 10 h 18 min 14 s
